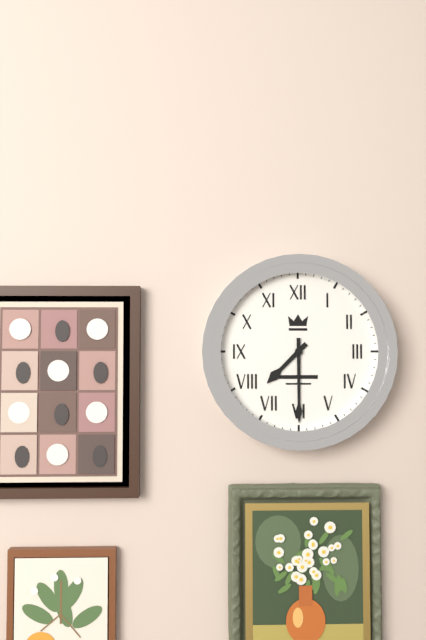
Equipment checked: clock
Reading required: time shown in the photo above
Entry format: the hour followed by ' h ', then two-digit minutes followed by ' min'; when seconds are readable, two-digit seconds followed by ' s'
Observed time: 7 h 30 min
